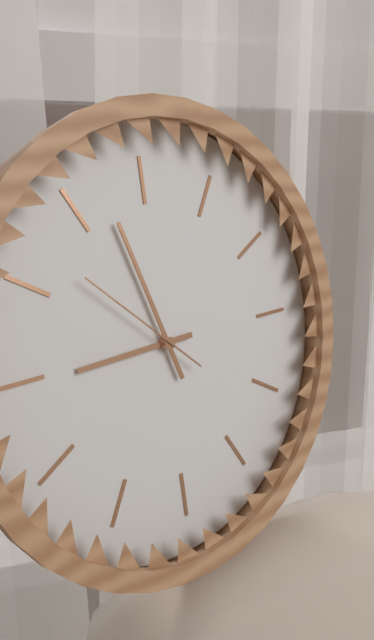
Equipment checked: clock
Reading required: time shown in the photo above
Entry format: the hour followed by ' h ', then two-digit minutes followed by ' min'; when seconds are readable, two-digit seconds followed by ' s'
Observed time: 8 h 57 min 52 s
